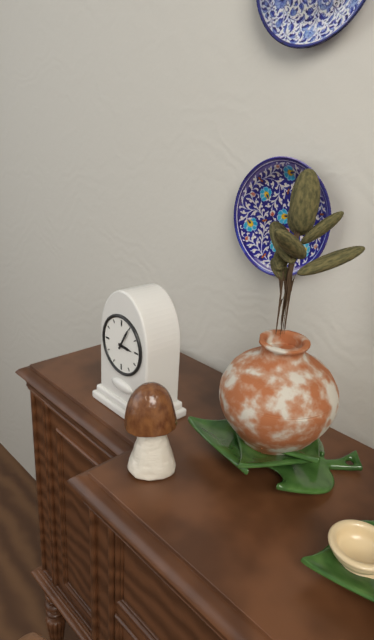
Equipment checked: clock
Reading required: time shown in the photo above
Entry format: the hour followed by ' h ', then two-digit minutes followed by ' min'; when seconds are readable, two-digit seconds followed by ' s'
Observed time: 3 h 05 min
